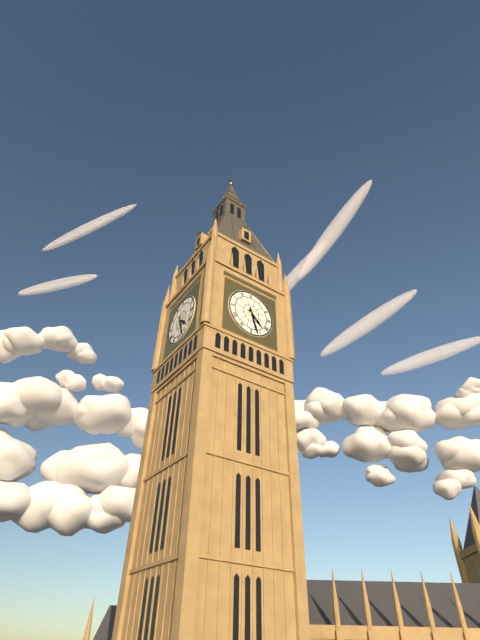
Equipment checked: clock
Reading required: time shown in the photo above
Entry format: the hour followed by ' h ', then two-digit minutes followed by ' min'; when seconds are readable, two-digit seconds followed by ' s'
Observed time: 4 h 27 min
